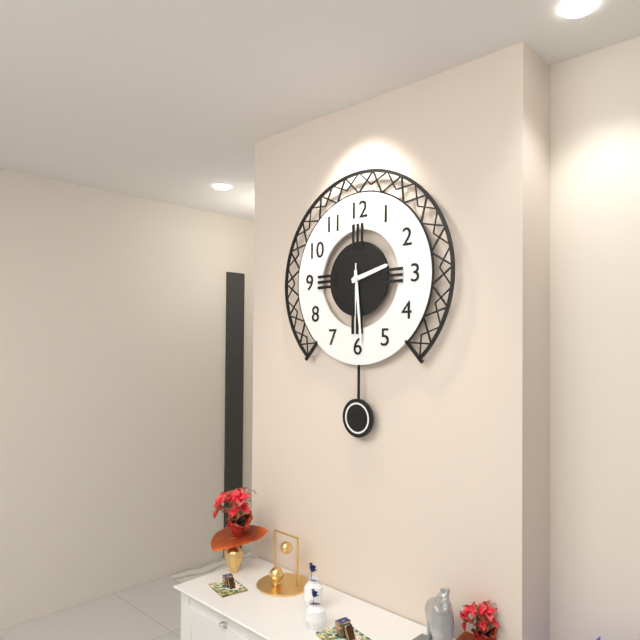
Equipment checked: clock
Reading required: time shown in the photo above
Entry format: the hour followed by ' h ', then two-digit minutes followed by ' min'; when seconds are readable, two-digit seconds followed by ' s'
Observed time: 2 h 29 min 30 s
